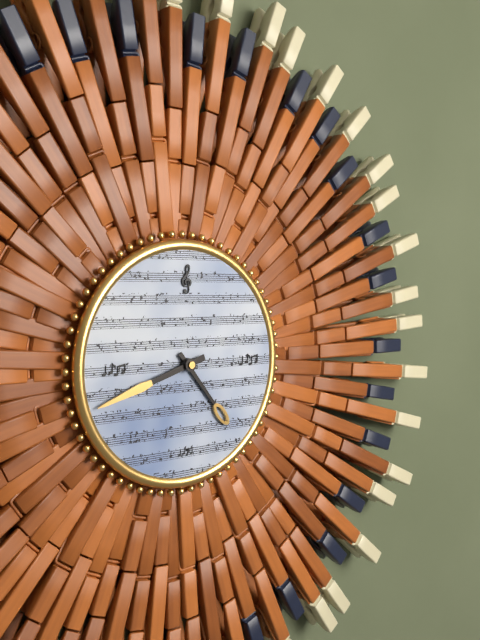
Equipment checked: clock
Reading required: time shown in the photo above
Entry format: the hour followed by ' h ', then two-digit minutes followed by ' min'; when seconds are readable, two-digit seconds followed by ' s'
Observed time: 4 h 42 min
